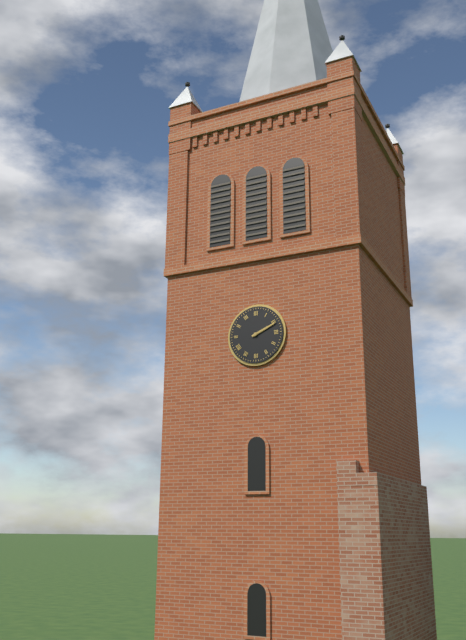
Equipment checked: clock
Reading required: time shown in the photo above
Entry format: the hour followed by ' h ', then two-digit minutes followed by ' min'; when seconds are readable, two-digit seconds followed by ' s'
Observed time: 2 h 11 min
